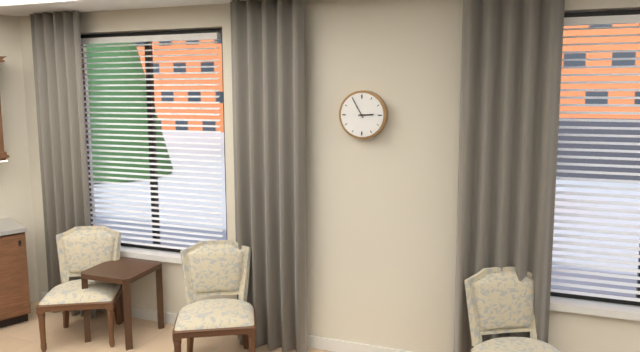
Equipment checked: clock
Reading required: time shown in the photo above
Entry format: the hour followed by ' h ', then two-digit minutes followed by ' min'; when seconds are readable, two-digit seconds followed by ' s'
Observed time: 2 h 55 min
